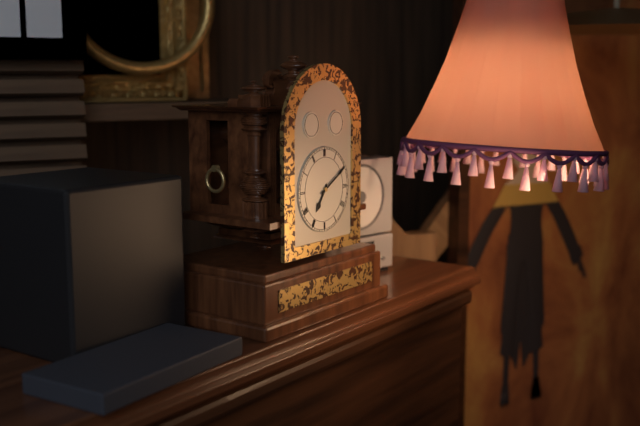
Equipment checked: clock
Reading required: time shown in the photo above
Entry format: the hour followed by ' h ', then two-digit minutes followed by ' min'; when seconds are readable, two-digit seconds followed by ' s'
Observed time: 7 h 10 min
